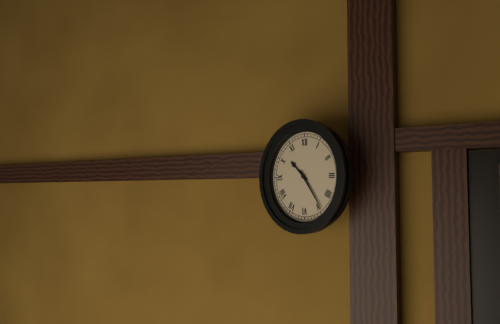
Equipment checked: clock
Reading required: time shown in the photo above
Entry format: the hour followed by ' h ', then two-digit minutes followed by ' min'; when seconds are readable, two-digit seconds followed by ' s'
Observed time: 10 h 24 min
